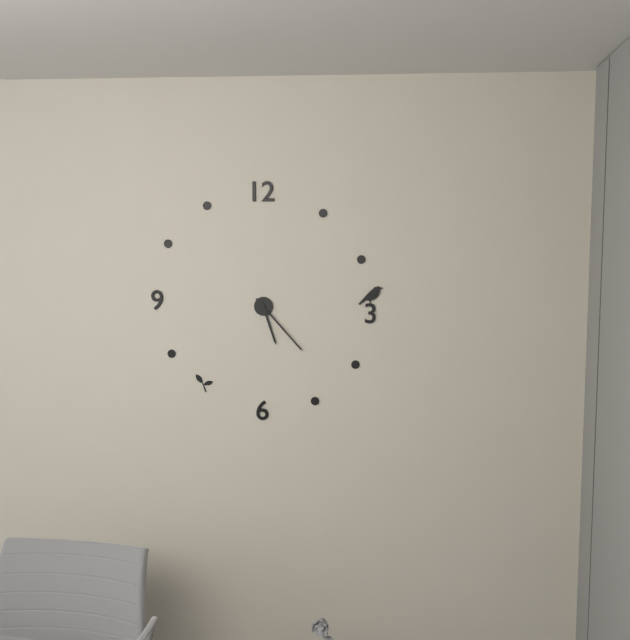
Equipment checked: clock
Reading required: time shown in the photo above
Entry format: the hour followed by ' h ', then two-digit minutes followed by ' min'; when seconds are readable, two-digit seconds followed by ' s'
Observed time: 5 h 23 min
